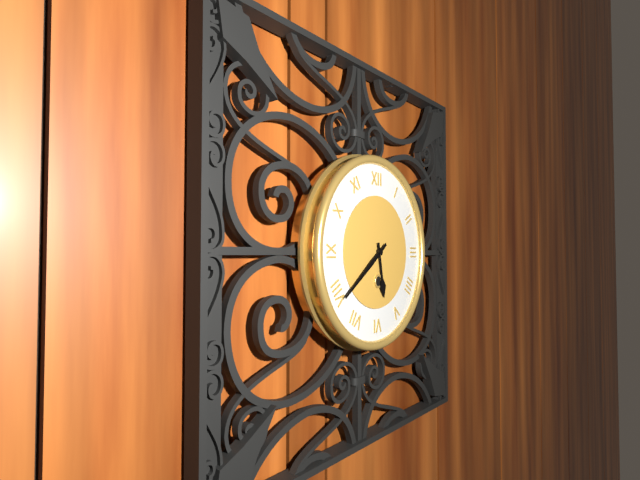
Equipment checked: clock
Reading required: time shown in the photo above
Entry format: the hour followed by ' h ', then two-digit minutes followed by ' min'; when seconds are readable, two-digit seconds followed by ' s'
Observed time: 5 h 39 min
